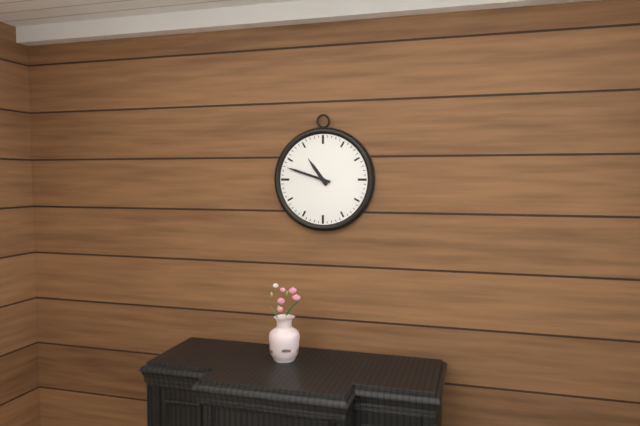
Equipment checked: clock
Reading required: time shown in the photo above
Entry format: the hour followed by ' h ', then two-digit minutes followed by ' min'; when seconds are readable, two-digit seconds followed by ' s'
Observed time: 10 h 48 min
